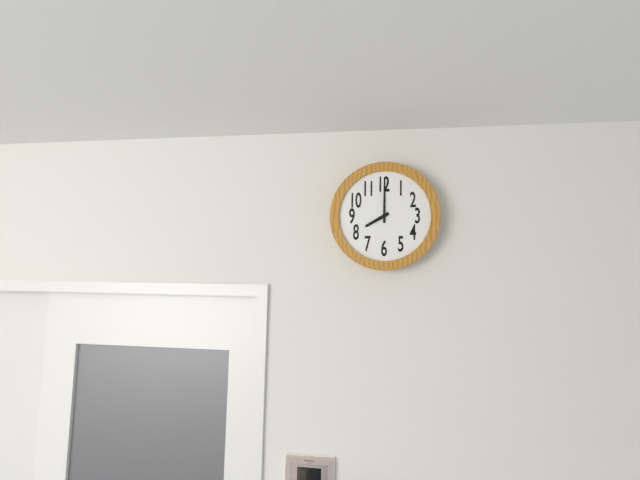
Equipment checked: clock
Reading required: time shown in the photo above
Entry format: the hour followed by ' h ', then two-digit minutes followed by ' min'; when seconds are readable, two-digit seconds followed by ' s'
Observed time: 8 h 00 min
